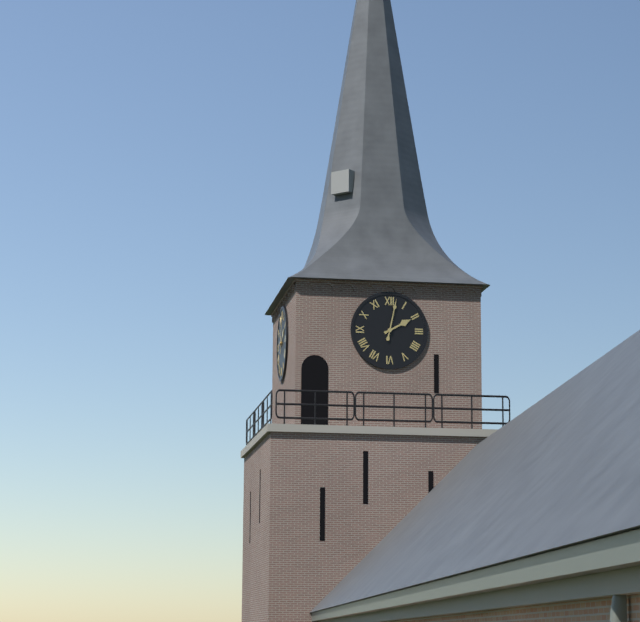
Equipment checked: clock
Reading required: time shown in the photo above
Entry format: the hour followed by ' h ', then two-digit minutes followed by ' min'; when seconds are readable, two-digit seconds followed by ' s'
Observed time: 2 h 02 min
